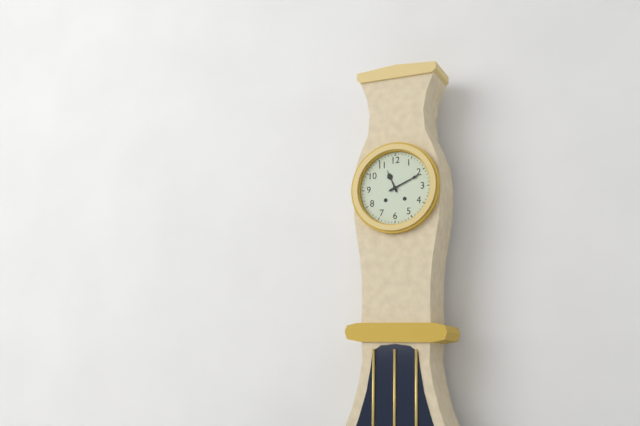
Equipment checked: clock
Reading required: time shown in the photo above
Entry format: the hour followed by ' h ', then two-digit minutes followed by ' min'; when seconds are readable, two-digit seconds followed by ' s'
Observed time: 11 h 11 min
